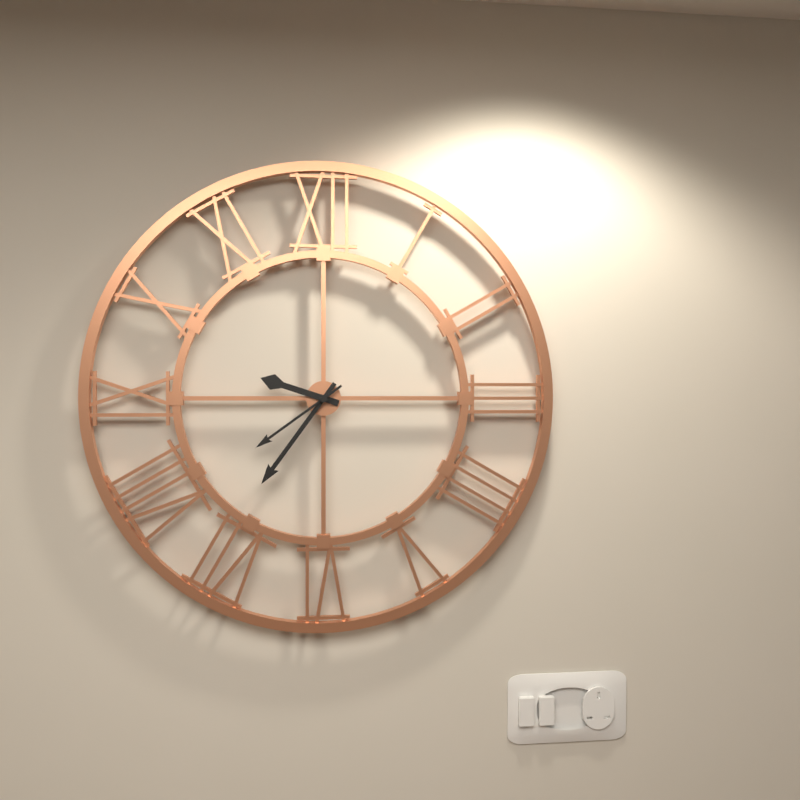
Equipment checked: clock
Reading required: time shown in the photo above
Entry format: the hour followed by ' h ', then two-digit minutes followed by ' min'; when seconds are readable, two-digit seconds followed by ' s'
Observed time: 9 h 36 min 39 s
